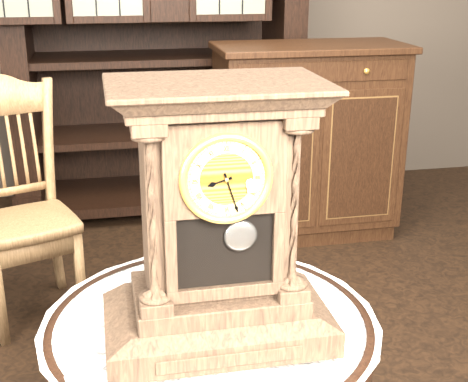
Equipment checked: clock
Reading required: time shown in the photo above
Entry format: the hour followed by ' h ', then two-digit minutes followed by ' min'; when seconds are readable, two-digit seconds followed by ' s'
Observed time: 8 h 27 min
